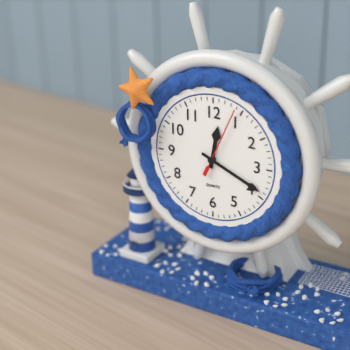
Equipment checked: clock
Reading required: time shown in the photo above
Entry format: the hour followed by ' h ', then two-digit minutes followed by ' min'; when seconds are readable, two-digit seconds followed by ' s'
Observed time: 12 h 19 min 04 s
